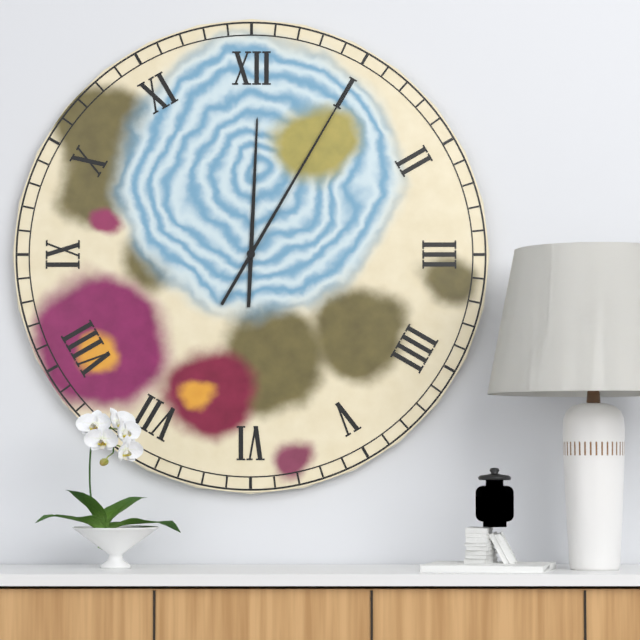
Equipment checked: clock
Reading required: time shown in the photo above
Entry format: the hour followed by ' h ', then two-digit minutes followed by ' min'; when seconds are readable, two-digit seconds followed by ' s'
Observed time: 12 h 05 min
